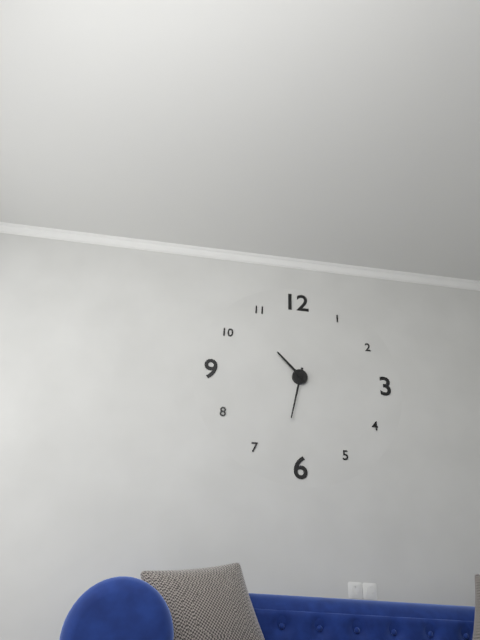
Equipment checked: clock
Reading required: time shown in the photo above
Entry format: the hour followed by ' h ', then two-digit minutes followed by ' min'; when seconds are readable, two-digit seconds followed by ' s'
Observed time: 10 h 32 min
